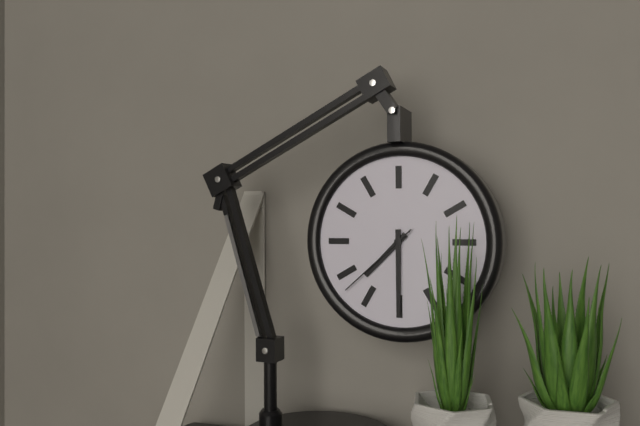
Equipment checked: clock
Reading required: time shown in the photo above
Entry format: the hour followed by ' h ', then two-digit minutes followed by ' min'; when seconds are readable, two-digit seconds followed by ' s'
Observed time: 7 h 30 min 38 s
